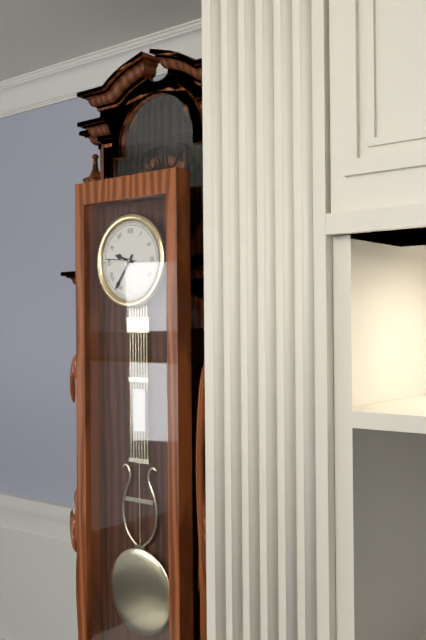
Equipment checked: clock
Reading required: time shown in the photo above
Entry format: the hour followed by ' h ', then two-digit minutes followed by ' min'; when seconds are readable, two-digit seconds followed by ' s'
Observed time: 9 h 36 min
